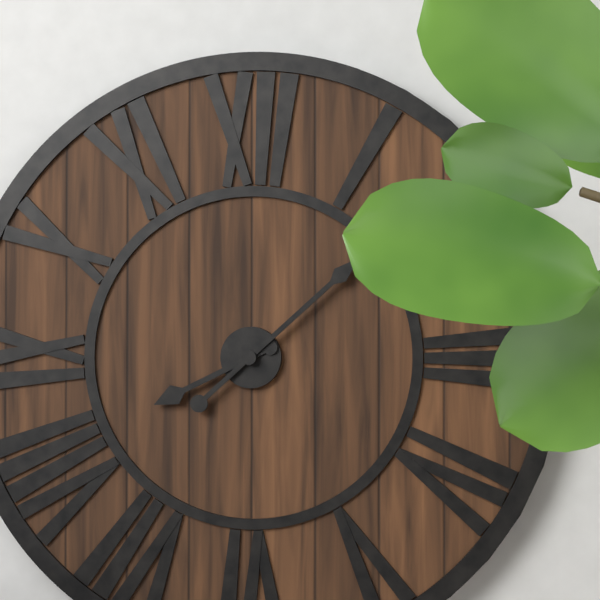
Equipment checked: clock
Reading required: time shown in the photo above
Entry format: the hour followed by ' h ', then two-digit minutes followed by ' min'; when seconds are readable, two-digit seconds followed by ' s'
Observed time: 8 h 08 min
